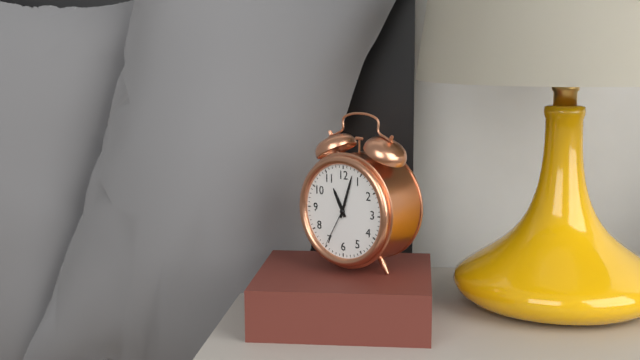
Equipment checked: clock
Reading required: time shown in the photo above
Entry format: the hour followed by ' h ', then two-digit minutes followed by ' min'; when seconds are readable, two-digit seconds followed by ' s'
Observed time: 11 h 03 min
